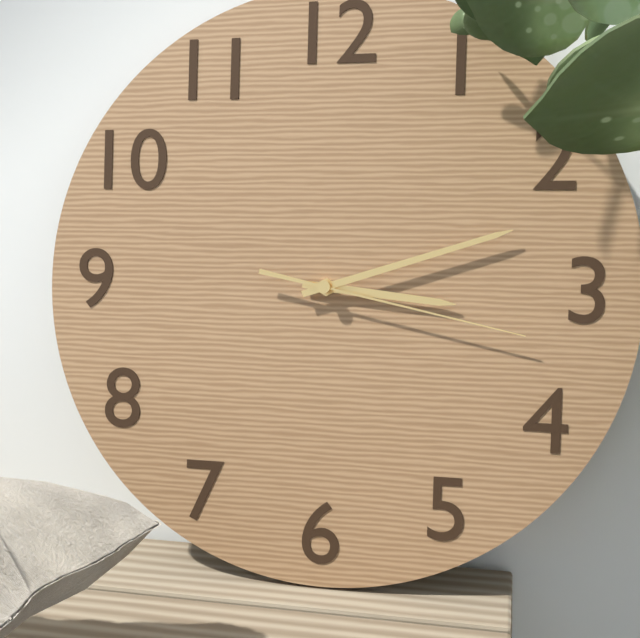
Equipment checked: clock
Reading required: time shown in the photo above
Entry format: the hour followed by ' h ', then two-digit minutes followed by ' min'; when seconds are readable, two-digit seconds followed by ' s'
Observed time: 3 h 12 min 17 s
